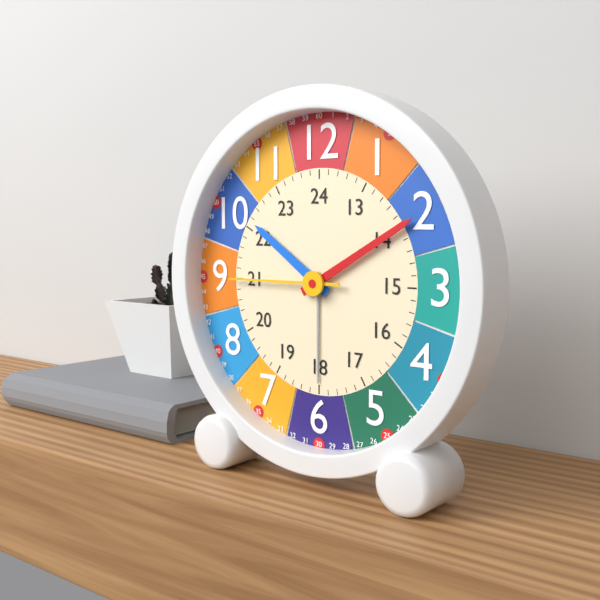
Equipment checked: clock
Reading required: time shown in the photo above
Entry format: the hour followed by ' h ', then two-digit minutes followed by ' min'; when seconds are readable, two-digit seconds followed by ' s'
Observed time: 10 h 10 min 45 s
